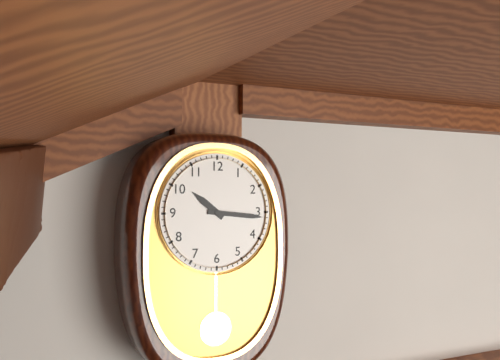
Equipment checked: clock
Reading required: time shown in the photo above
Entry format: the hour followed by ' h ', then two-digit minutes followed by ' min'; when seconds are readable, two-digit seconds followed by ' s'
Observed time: 10 h 16 min
